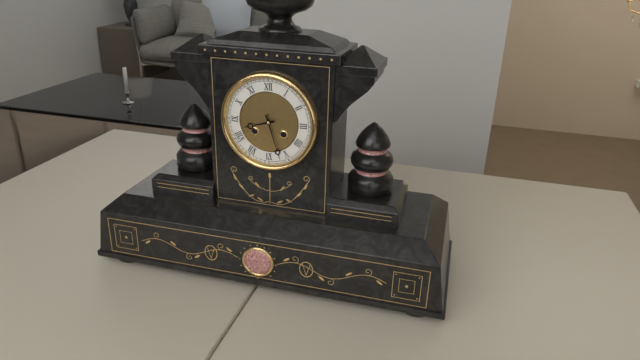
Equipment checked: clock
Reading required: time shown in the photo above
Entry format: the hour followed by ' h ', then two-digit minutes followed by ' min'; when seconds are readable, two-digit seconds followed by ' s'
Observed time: 8 h 27 min
